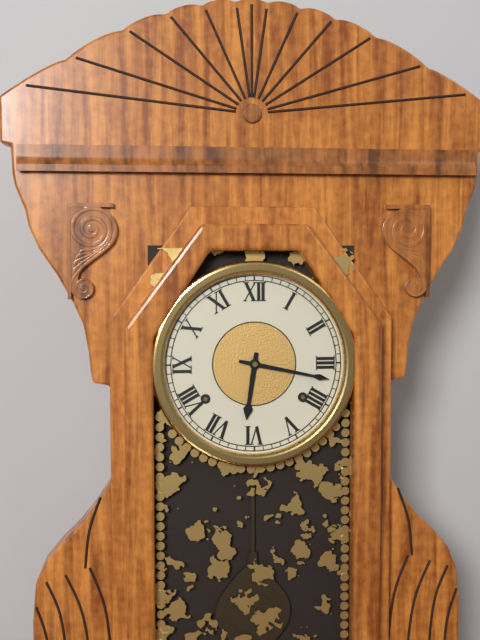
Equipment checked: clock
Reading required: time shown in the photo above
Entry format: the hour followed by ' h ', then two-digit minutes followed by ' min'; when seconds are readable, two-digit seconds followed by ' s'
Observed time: 6 h 17 min
